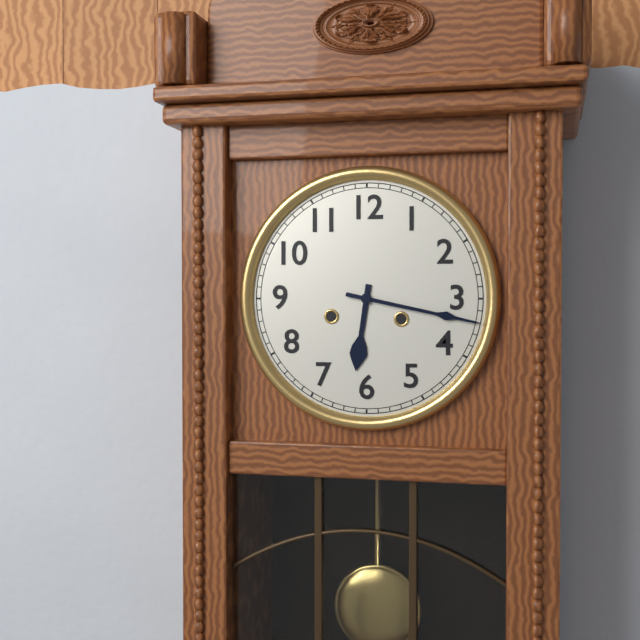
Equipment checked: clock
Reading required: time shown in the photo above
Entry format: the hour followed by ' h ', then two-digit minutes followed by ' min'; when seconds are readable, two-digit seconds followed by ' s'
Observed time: 6 h 17 min
